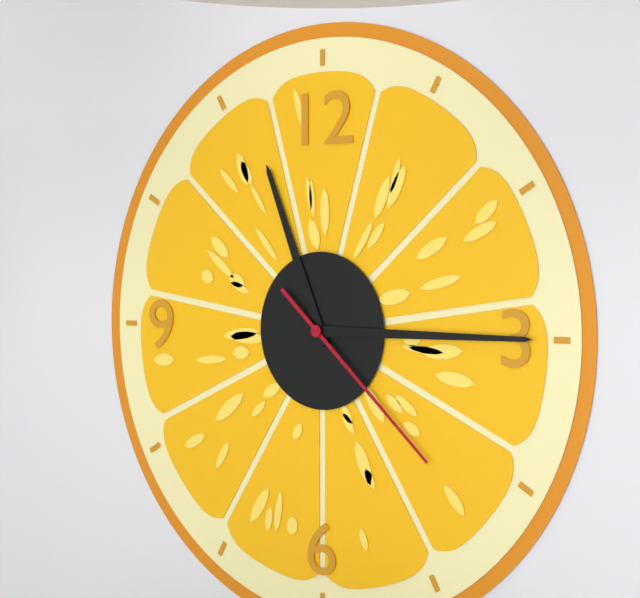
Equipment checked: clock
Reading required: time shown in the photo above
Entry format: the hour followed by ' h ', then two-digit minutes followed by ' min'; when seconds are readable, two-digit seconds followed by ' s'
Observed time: 11 h 15 min 22 s
